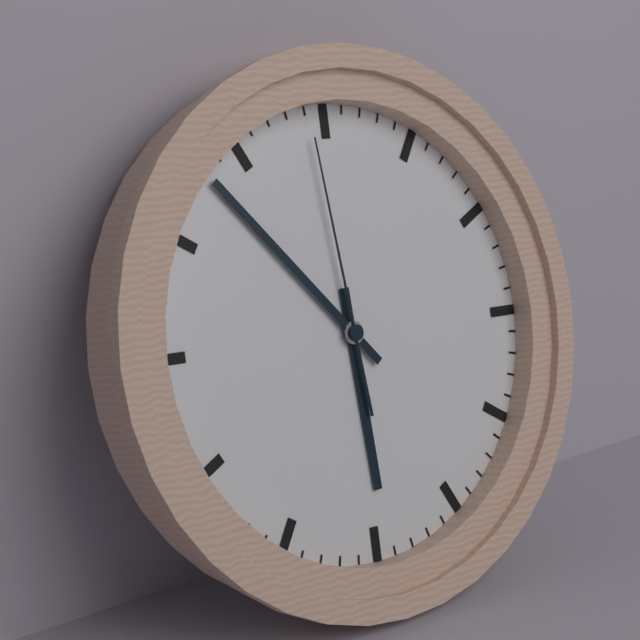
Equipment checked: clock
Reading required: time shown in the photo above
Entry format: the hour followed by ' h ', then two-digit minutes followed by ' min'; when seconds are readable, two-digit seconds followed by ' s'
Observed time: 5 h 53 min 59 s
